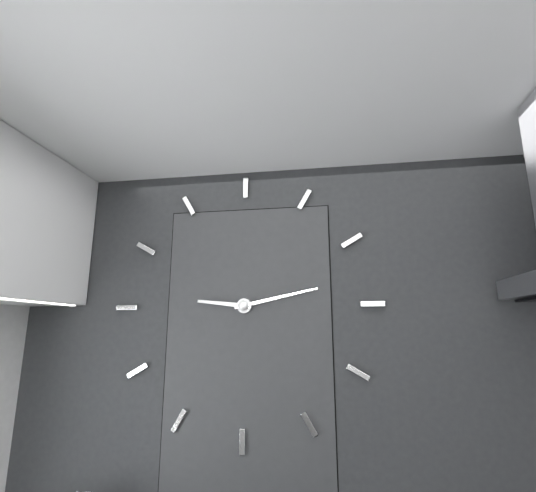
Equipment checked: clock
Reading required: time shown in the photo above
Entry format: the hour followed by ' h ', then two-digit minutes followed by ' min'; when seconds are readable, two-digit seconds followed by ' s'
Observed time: 9 h 13 min
